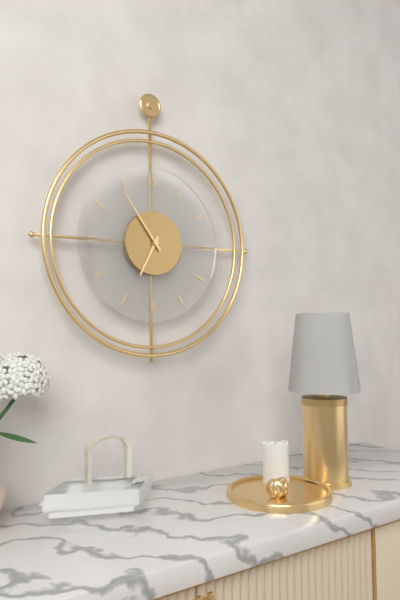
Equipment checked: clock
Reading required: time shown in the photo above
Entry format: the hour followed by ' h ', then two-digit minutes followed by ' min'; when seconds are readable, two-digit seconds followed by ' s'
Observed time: 6 h 54 min
